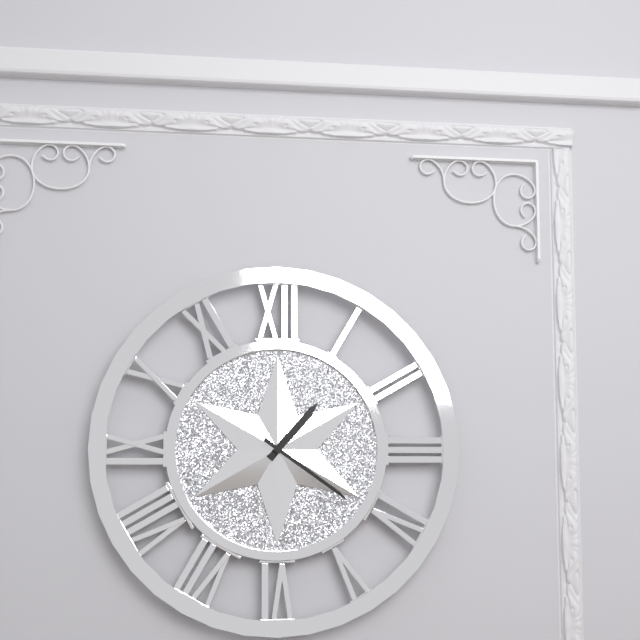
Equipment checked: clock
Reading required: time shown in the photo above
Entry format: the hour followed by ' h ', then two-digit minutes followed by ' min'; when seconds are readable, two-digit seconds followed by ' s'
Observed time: 1 h 21 min
